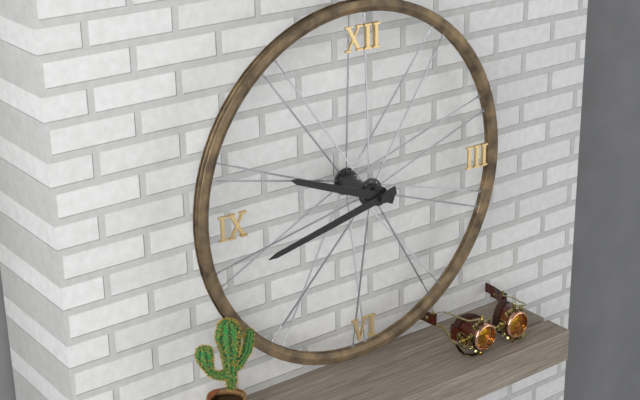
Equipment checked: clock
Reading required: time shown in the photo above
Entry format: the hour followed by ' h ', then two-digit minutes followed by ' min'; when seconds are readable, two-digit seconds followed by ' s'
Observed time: 9 h 43 min
